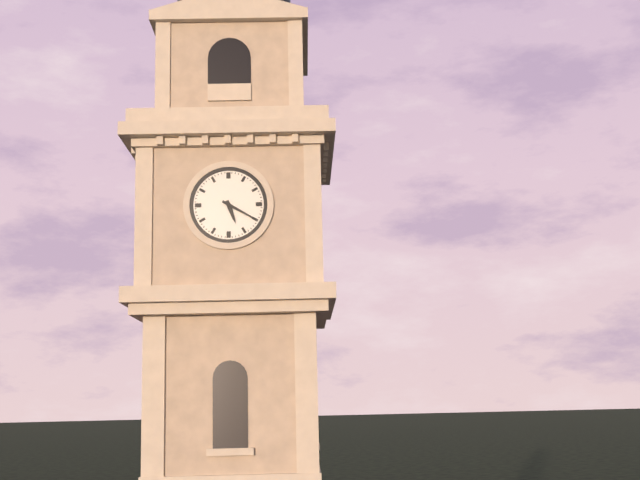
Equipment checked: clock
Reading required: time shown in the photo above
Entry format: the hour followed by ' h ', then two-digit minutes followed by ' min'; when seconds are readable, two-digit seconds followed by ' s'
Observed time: 5 h 20 min
